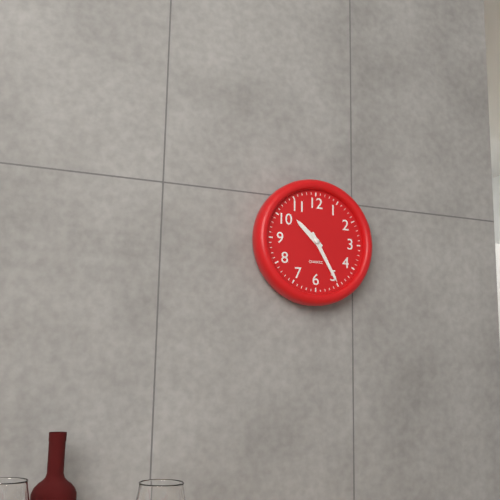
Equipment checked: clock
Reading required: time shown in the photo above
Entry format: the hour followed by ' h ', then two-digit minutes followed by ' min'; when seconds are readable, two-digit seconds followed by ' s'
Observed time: 10 h 25 min
